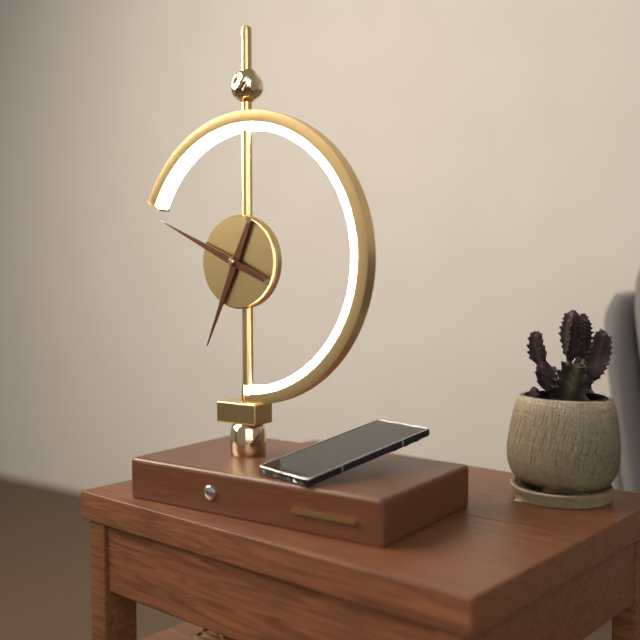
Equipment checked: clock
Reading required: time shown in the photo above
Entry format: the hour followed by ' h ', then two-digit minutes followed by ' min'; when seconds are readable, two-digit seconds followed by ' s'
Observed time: 6 h 49 min
